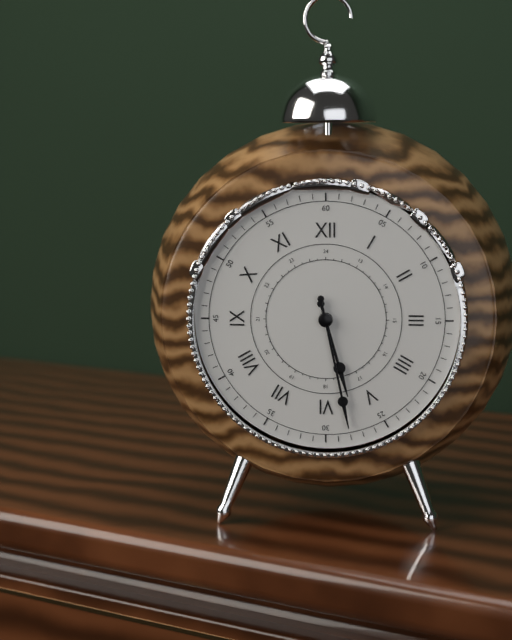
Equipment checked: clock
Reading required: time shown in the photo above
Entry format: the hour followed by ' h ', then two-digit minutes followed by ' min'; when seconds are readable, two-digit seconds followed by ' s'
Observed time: 5 h 28 min
